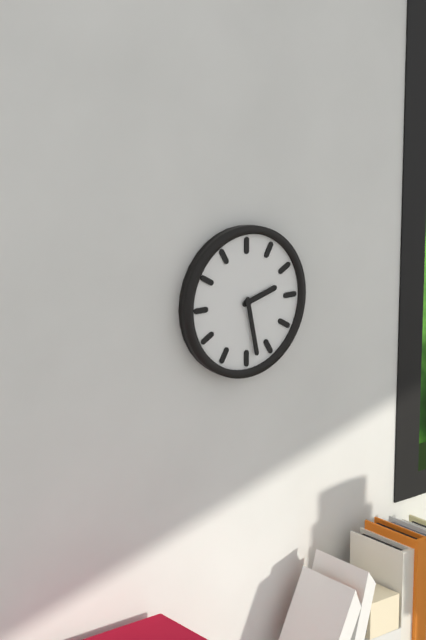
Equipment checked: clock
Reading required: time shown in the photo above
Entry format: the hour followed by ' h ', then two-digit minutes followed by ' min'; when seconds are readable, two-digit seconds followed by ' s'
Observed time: 2 h 28 min
